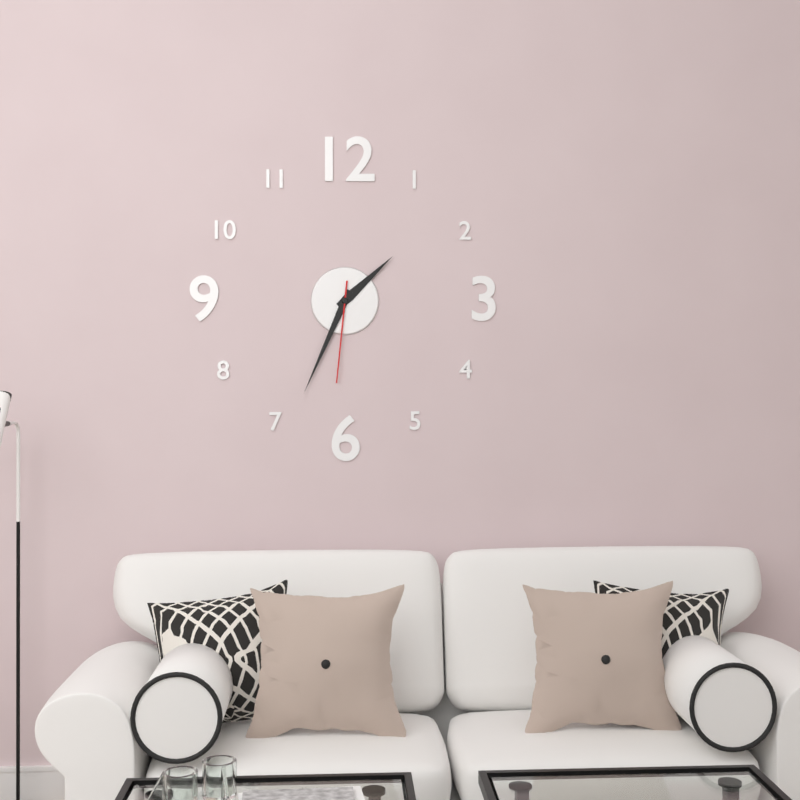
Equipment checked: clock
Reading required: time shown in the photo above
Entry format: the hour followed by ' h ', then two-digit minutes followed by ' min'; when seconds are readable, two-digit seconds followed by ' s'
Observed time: 1 h 34 min 31 s
